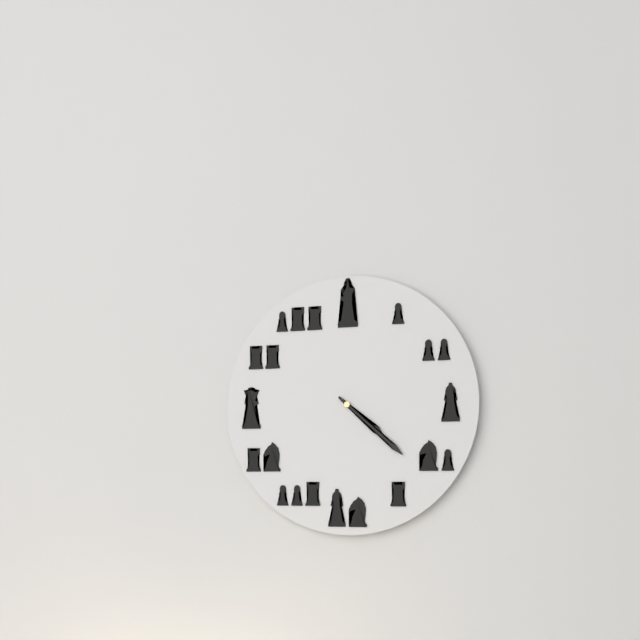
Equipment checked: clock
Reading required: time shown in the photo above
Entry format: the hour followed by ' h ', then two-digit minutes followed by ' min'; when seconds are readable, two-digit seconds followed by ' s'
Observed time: 4 h 22 min
